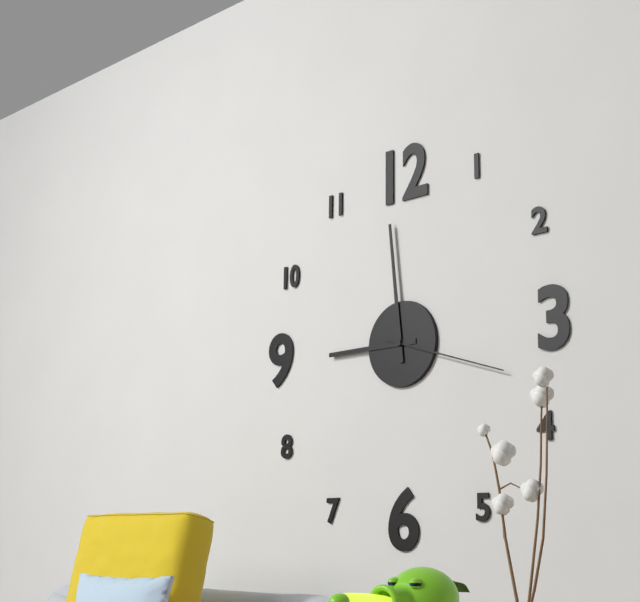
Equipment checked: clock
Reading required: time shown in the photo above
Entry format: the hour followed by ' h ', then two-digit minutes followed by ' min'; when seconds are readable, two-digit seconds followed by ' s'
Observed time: 8 h 59 min 18 s
